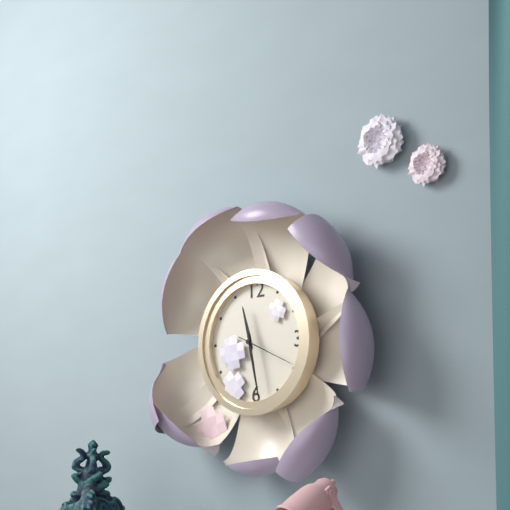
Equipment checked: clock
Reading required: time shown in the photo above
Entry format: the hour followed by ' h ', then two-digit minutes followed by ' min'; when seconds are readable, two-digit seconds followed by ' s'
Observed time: 11 h 28 min 19 s
